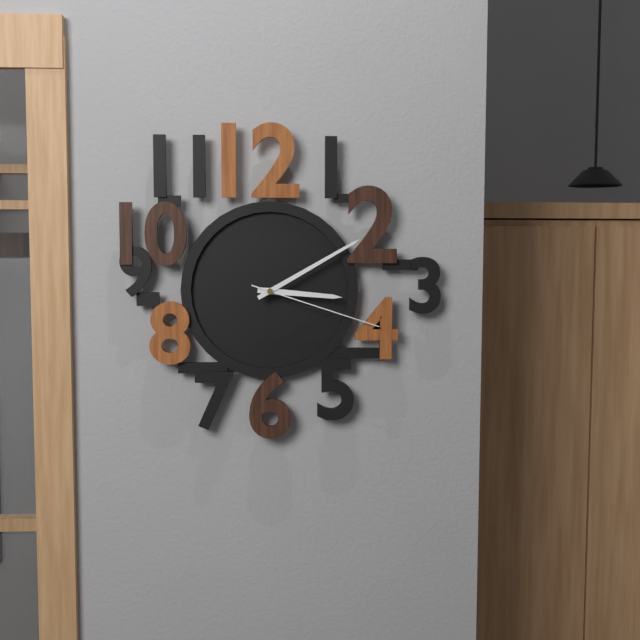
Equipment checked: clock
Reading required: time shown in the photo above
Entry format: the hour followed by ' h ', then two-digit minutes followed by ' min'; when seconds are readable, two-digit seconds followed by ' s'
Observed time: 3 h 10 min 18 s
